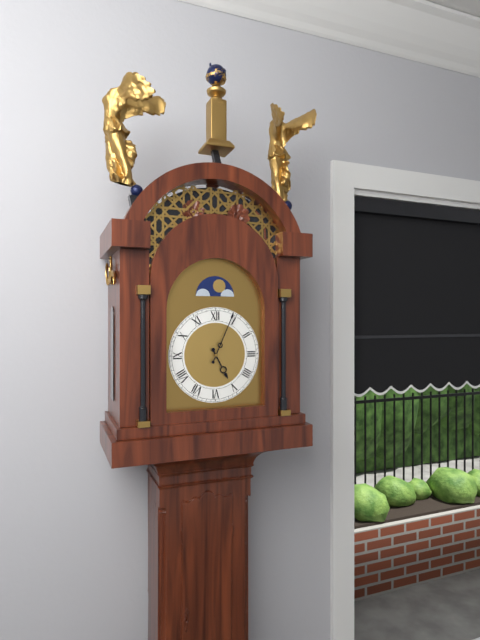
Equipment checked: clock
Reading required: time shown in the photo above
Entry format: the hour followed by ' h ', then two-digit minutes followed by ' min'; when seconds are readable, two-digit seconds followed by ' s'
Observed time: 5 h 04 min
